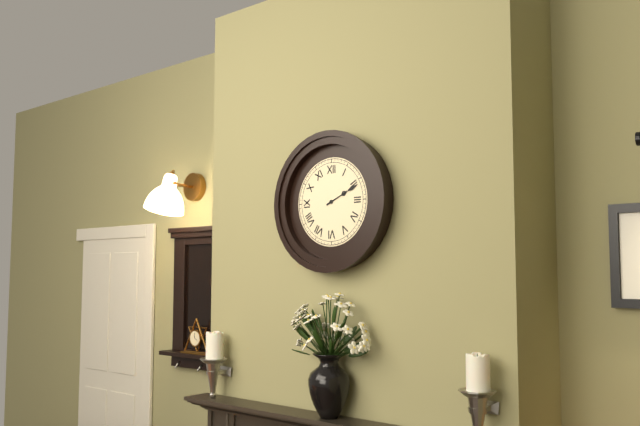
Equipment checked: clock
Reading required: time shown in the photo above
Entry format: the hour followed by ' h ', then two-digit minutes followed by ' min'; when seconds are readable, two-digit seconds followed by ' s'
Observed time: 2 h 11 min
